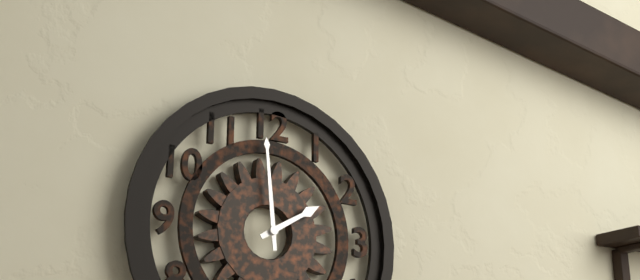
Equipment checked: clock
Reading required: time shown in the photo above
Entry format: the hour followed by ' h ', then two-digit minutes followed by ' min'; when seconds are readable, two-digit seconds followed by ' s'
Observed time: 1 h 59 min
